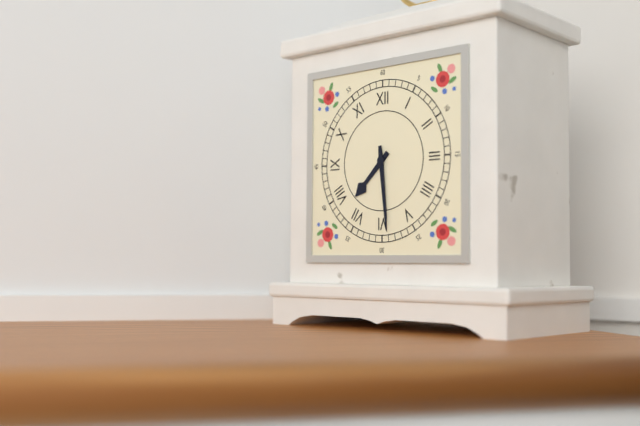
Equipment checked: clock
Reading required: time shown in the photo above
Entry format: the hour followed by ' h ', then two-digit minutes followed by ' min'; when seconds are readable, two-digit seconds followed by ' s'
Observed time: 7 h 29 min
